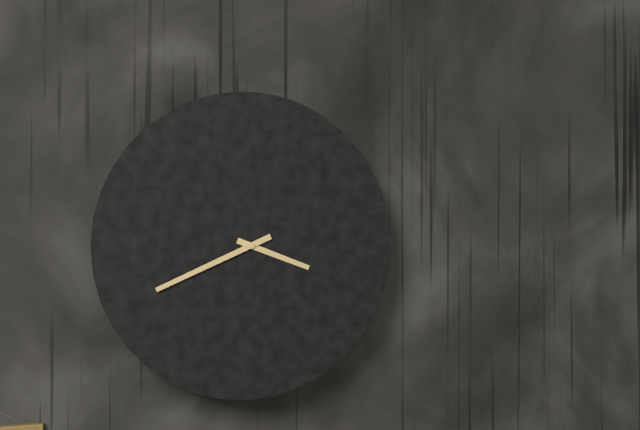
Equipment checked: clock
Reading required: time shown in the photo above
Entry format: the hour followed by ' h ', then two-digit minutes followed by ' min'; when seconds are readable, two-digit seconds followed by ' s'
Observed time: 3 h 41 min
